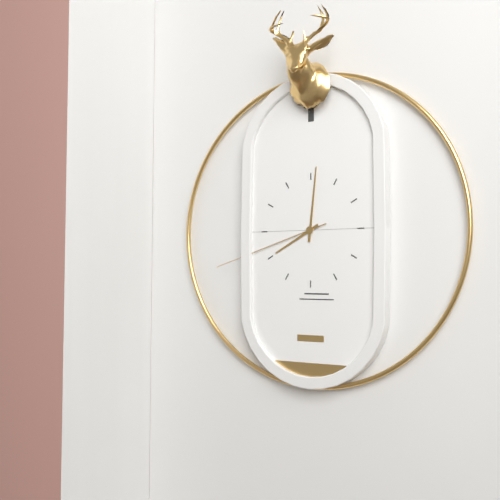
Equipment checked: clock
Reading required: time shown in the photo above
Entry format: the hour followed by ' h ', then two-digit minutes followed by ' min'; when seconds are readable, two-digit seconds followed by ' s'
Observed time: 8 h 01 min 42 s
